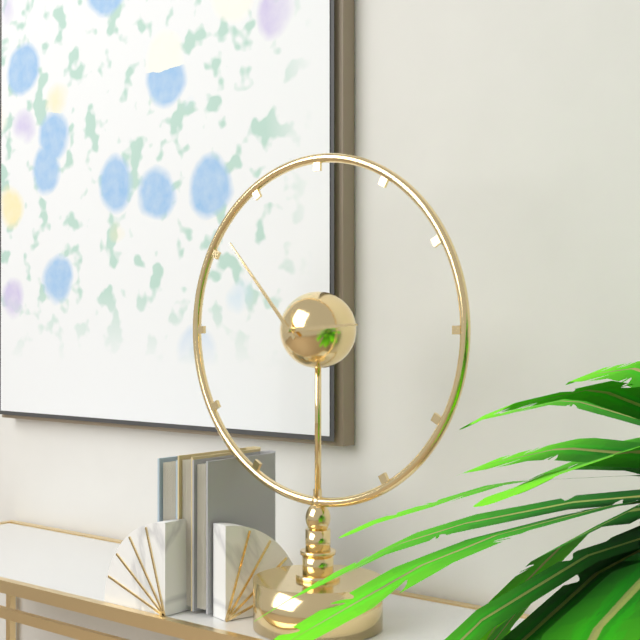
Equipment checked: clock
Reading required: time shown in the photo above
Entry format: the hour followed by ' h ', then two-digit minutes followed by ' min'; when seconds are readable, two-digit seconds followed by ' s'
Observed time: 2 h 53 min
